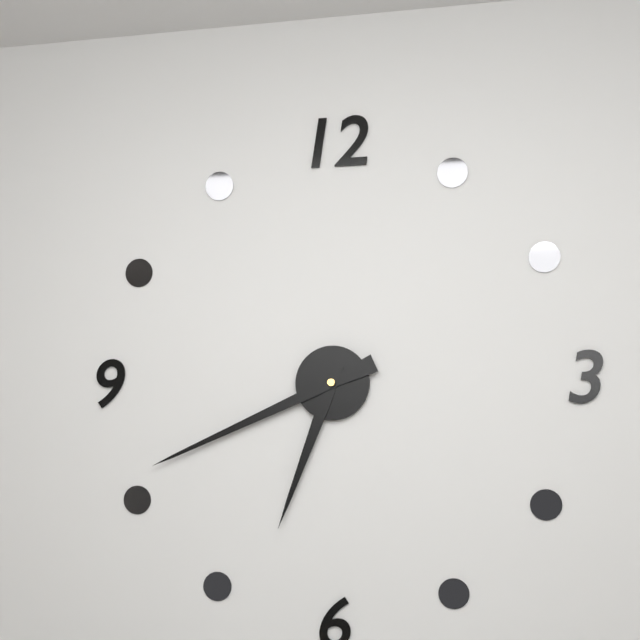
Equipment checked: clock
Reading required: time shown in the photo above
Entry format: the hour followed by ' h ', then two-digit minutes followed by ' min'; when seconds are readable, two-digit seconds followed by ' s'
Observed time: 6 h 41 min
